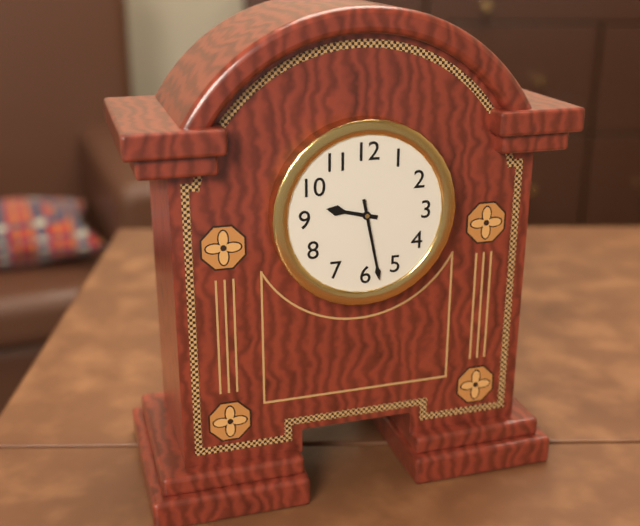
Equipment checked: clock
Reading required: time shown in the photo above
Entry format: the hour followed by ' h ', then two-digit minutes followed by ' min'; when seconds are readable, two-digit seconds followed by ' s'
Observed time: 9 h 28 min
